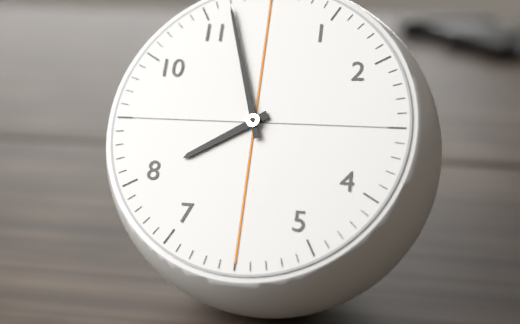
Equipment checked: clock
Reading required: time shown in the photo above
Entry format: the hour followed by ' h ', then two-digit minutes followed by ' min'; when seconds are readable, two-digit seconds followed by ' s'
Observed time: 7 h 57 min
